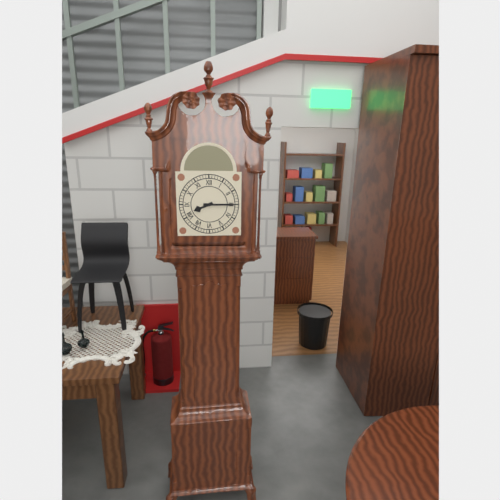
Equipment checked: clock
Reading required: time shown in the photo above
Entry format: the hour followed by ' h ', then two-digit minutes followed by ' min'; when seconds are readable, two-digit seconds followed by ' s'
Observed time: 8 h 15 min
